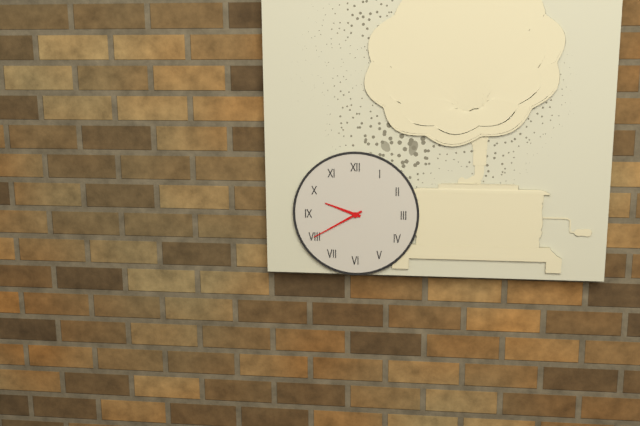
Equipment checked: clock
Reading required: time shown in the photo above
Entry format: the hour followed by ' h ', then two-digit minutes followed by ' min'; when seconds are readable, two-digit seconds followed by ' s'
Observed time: 9 h 40 min
